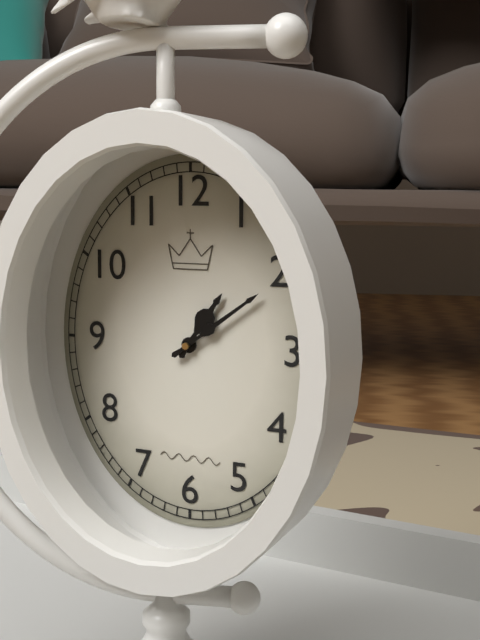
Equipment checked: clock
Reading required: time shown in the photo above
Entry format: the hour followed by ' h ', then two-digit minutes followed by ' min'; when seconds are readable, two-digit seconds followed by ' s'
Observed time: 1 h 09 min
